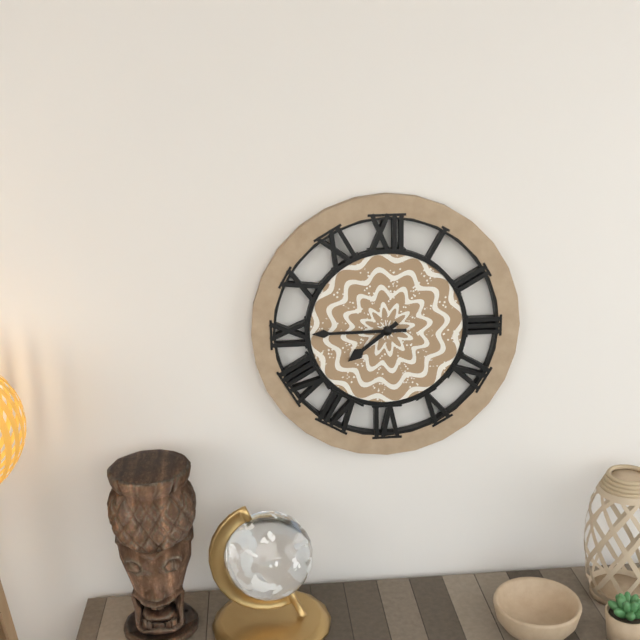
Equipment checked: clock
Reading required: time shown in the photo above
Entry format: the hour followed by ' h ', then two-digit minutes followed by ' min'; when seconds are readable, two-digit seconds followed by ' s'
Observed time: 7 h 45 min
